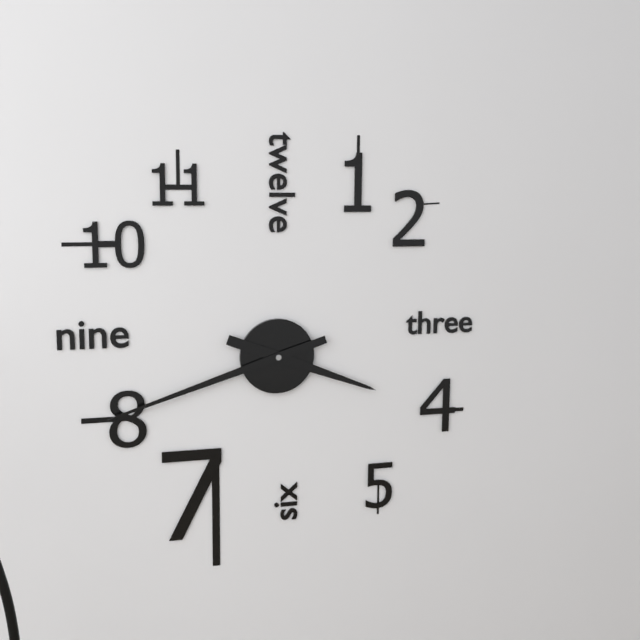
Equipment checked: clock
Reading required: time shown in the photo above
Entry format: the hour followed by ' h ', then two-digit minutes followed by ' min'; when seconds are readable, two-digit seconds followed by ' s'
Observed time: 3 h 42 min
